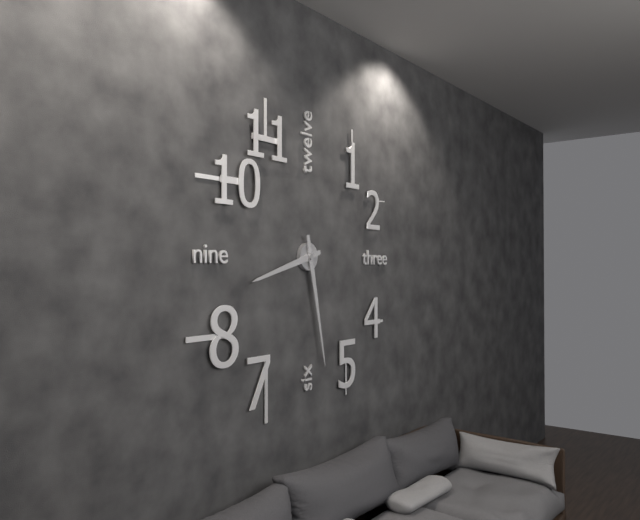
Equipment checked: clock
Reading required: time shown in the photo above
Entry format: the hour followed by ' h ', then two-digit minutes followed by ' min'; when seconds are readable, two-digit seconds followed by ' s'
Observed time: 8 h 28 min
